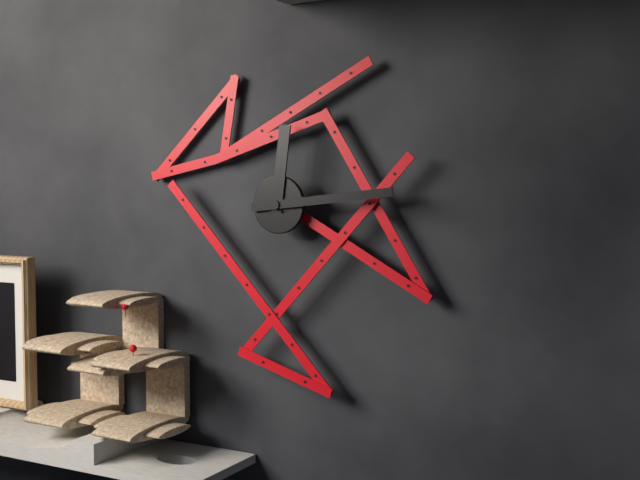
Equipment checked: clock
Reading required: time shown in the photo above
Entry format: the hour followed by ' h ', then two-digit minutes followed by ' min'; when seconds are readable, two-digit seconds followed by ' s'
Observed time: 12 h 14 min
